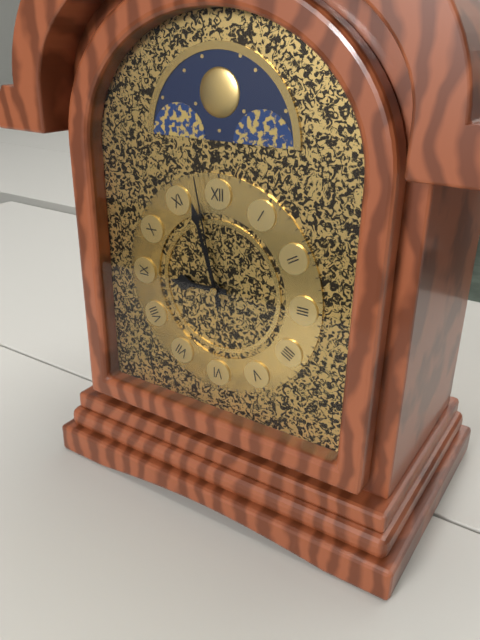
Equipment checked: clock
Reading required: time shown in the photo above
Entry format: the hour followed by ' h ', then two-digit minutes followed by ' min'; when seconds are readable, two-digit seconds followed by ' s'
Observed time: 8 h 57 min 58 s
